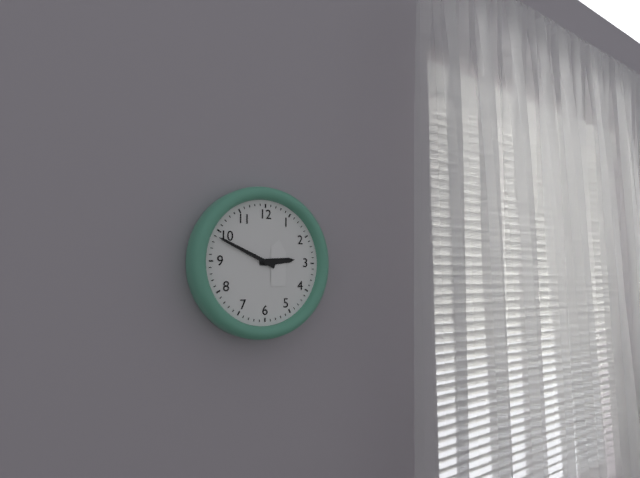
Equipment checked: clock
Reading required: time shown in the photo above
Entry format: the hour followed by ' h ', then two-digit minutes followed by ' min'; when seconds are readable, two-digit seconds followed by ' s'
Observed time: 2 h 49 min
